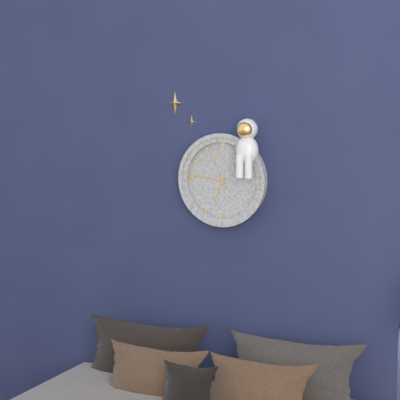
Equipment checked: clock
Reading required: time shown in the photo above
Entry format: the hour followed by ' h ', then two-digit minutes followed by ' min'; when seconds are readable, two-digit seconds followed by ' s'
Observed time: 6 h 46 min
